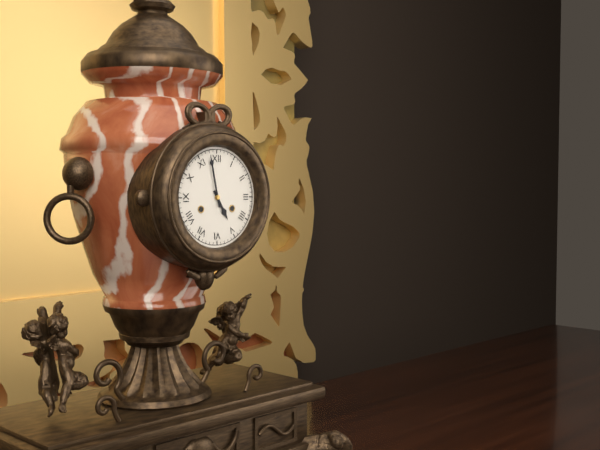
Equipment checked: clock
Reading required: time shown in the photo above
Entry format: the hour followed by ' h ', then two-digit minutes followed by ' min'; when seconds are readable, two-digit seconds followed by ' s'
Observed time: 4 h 58 min
